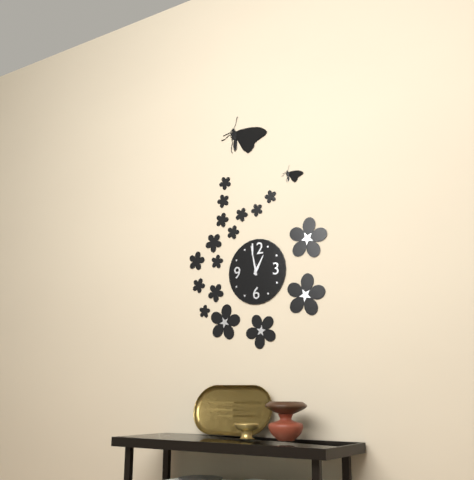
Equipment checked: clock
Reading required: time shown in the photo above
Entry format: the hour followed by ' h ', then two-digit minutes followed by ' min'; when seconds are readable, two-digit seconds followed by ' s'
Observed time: 12 h 58 min
